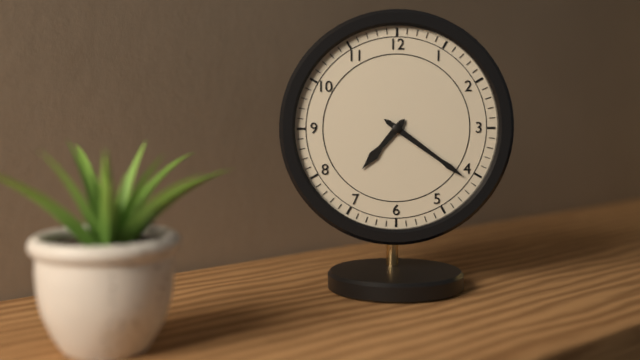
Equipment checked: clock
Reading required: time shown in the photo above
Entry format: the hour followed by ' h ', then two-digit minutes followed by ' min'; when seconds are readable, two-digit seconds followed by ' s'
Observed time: 7 h 21 min
